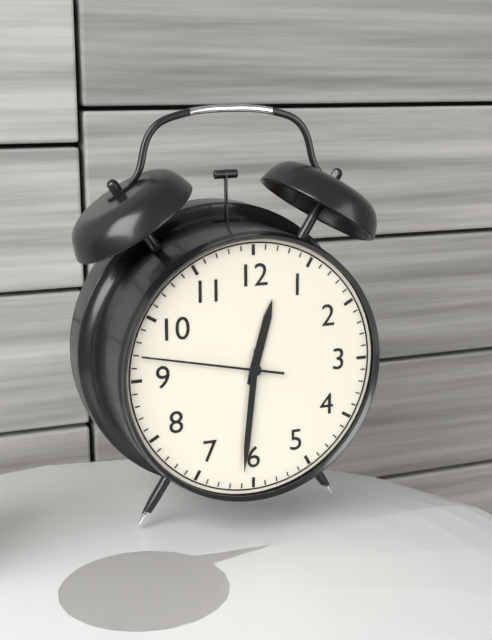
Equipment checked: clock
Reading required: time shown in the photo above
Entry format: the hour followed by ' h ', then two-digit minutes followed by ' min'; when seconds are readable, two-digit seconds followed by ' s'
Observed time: 12 h 31 min 47 s
